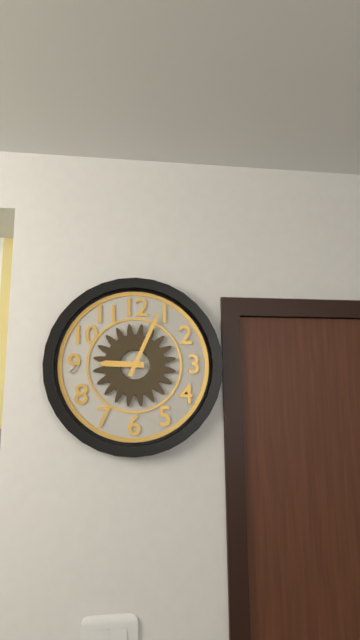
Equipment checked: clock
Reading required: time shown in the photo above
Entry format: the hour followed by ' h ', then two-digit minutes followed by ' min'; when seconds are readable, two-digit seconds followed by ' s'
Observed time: 9 h 04 min
